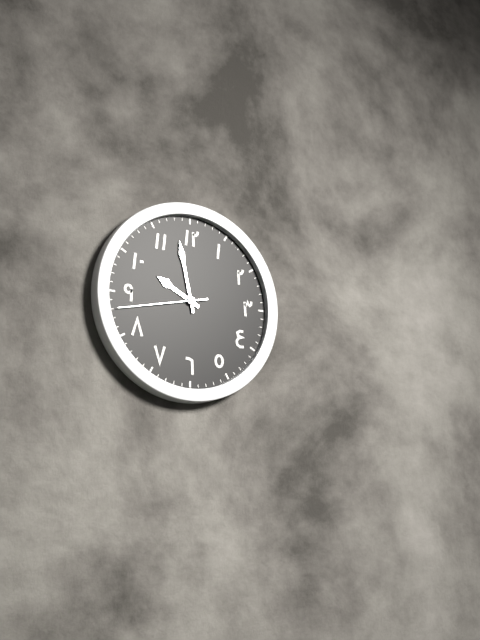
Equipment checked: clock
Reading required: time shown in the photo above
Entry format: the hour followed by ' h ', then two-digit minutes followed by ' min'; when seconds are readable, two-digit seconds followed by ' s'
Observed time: 9 h 58 min 43 s
